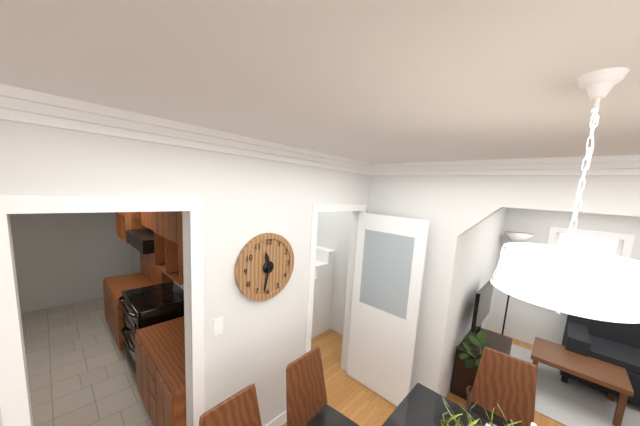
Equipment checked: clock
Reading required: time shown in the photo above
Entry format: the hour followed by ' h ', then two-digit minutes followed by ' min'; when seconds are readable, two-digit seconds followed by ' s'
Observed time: 11 h 32 min
